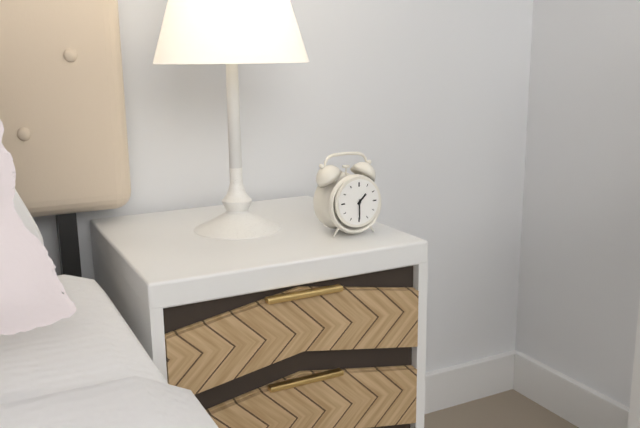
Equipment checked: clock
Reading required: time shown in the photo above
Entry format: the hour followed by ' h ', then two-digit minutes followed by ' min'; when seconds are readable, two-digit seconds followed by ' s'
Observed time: 1 h 30 min
